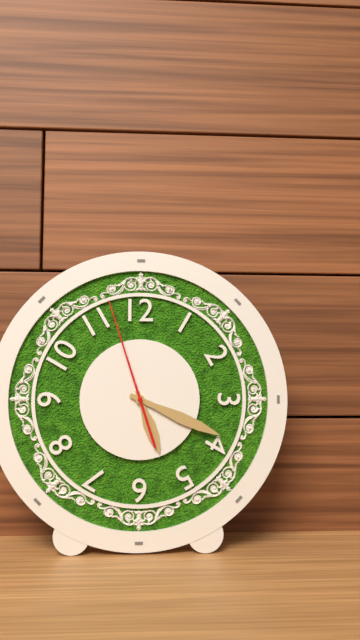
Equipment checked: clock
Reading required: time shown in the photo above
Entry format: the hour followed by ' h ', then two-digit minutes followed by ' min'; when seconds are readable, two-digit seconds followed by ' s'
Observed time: 5 h 19 min 57 s
